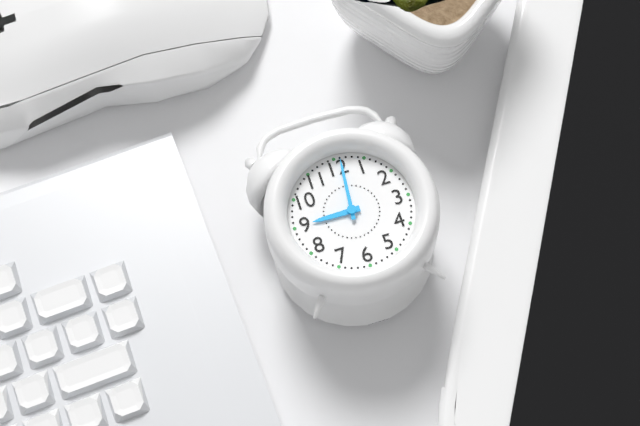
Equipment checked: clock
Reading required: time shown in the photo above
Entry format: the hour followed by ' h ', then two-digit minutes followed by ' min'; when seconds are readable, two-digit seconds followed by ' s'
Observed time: 9 h 01 min
